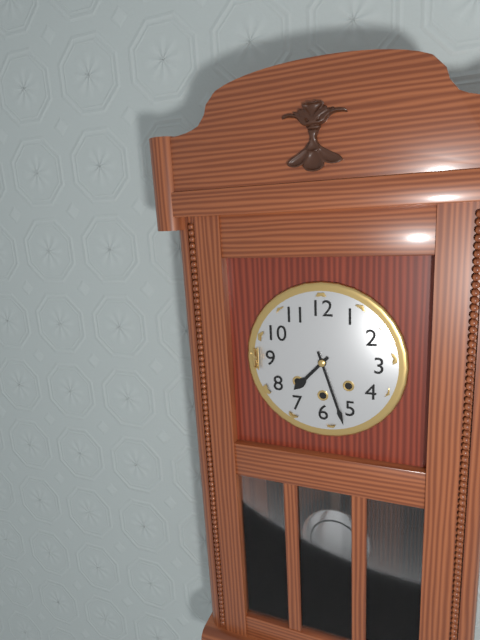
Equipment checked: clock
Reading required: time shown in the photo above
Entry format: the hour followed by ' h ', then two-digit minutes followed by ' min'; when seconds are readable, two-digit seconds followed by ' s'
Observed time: 7 h 27 min
